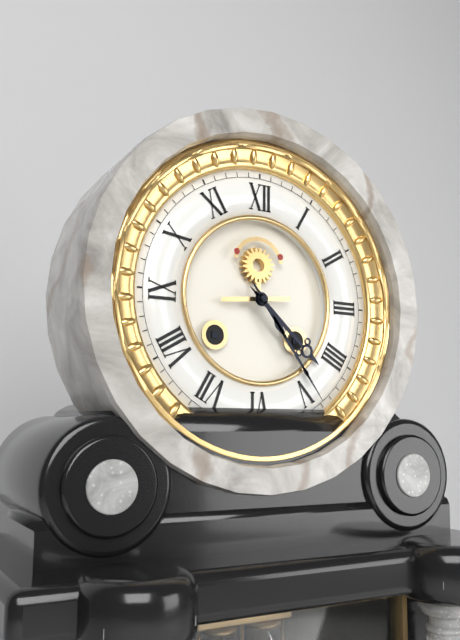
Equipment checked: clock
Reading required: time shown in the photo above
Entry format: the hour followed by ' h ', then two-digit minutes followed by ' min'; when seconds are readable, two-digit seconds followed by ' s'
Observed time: 4 h 24 min
